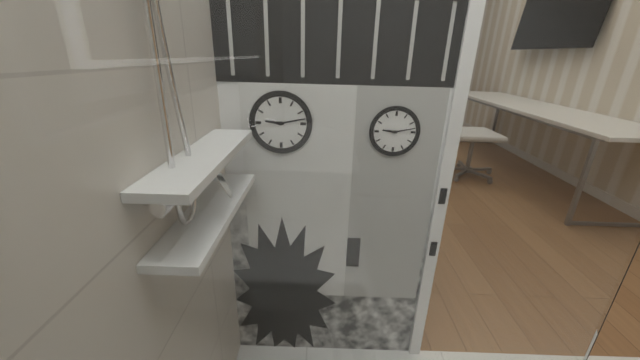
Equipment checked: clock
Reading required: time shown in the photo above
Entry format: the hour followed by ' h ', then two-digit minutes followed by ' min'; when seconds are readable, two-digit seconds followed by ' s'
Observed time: 9 h 13 min
